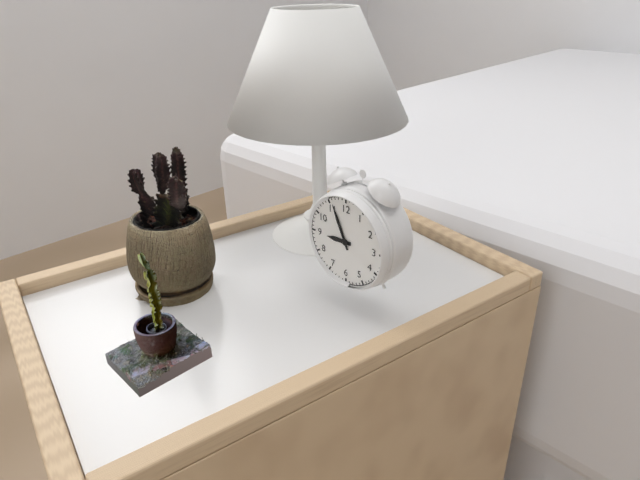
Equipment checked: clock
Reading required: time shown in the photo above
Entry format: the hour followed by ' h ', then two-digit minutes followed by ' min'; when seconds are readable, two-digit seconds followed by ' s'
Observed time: 8 h 56 min
